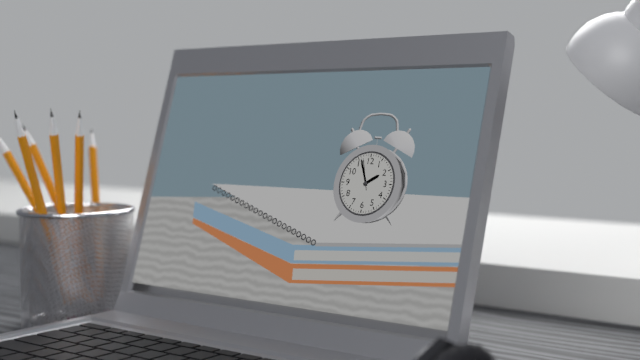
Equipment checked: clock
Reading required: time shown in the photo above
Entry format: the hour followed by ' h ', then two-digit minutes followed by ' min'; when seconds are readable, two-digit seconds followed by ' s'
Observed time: 1 h 56 min
